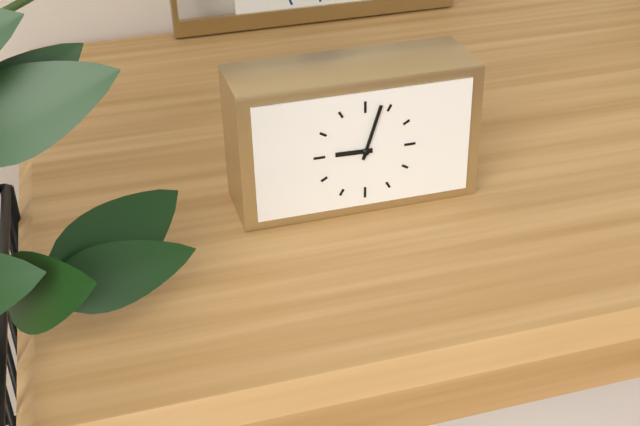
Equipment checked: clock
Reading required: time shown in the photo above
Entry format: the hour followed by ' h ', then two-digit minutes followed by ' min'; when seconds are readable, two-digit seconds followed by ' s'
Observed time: 9 h 03 min
